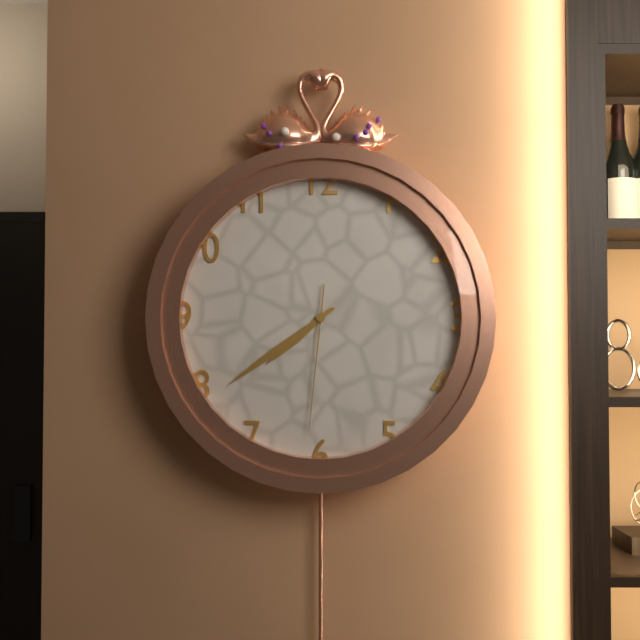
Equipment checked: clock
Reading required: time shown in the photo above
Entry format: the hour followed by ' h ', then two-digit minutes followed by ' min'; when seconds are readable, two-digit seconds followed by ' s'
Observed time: 7 h 39 min 31 s
